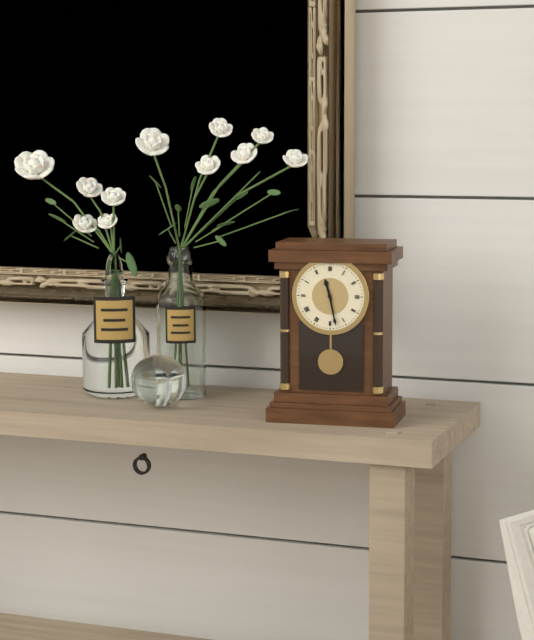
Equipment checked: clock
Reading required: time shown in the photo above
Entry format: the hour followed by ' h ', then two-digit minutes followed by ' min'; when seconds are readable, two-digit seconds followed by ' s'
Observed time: 11 h 28 min
